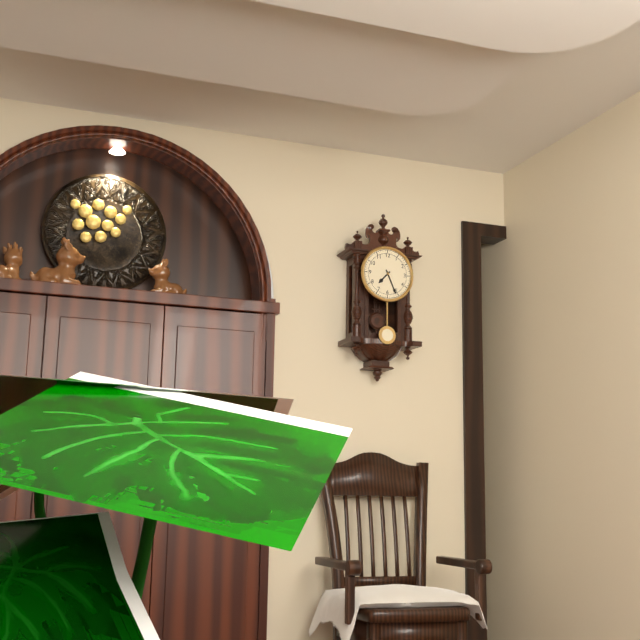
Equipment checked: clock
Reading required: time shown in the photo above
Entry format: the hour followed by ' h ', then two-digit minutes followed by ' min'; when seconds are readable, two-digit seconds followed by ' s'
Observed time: 7 h 26 min
